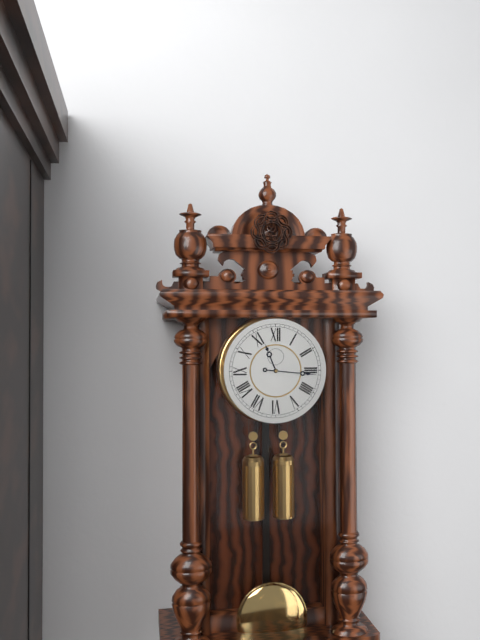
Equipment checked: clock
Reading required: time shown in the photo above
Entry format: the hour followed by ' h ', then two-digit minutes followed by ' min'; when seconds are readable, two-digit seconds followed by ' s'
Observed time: 11 h 16 min
